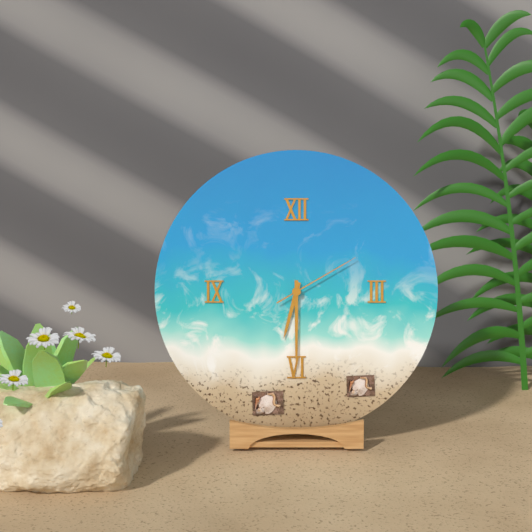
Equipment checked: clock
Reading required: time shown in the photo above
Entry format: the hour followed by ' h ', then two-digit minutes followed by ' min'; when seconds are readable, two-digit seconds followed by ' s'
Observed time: 6 h 30 min 10 s
